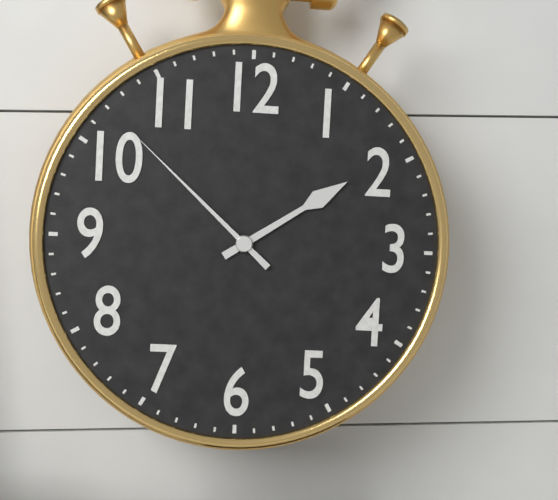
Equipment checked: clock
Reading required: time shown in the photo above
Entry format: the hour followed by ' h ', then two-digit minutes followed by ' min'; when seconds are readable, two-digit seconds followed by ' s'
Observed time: 1 h 52 min
